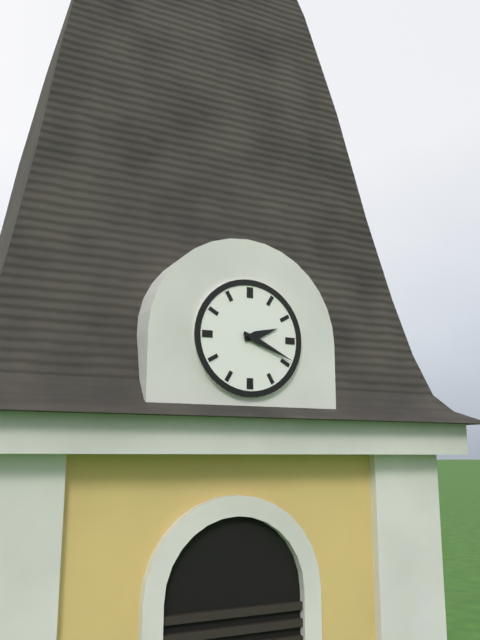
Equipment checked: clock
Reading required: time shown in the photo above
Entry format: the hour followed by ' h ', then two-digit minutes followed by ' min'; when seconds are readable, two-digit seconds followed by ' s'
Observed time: 2 h 19 min
